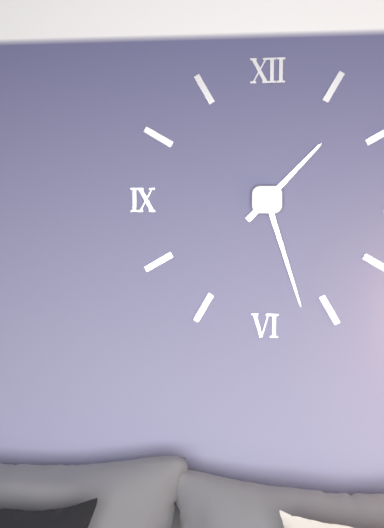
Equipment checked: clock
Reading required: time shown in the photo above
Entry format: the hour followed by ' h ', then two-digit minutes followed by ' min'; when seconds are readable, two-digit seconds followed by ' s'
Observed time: 1 h 27 min
